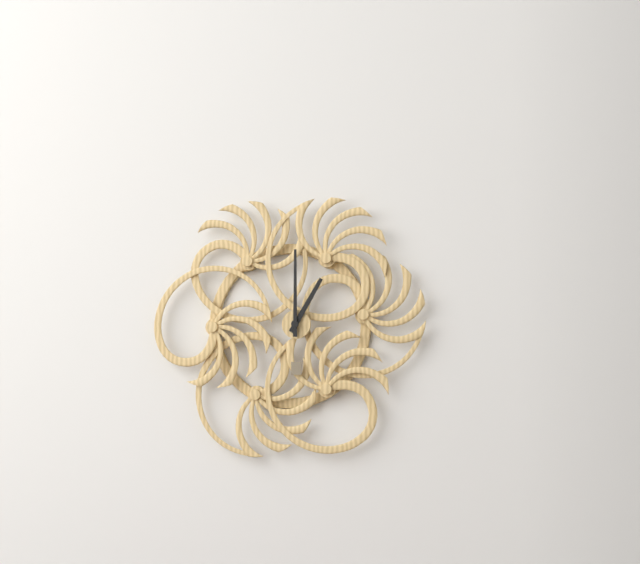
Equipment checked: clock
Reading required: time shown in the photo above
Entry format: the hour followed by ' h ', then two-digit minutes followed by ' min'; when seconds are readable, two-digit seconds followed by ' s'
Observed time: 1 h 00 min
